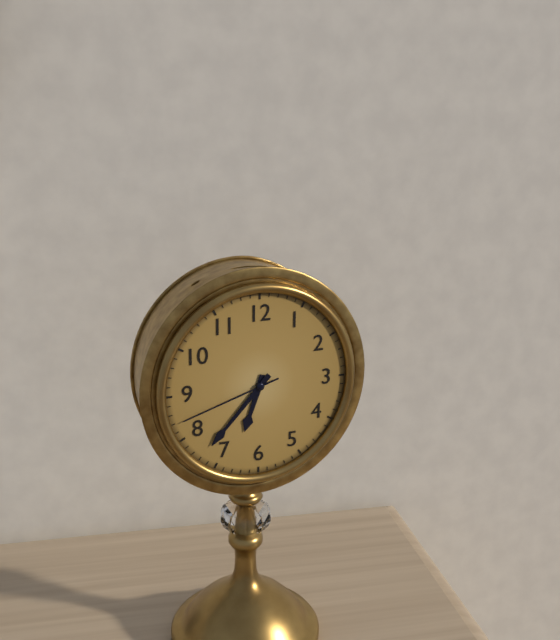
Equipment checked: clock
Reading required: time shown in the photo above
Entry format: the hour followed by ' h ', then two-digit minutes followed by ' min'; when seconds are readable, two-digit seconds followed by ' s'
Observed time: 6 h 37 min 42 s
